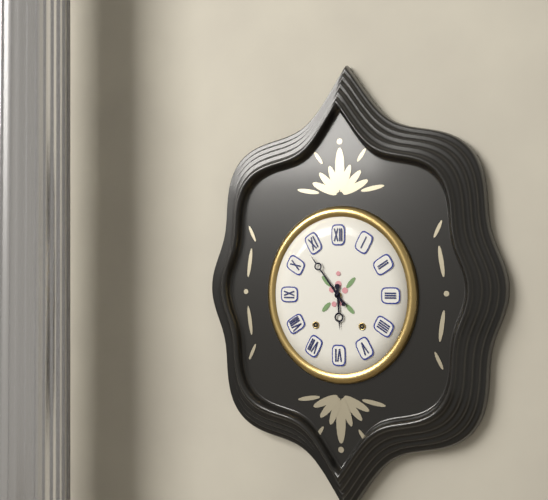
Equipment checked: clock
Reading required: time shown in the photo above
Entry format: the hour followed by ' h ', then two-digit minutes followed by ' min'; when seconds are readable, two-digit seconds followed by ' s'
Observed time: 5 h 54 min
